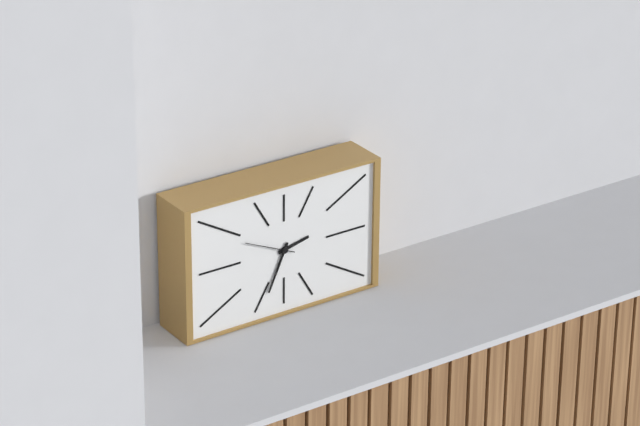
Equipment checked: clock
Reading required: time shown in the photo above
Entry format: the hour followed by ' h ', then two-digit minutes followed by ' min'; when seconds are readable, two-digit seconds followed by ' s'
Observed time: 2 h 34 min
